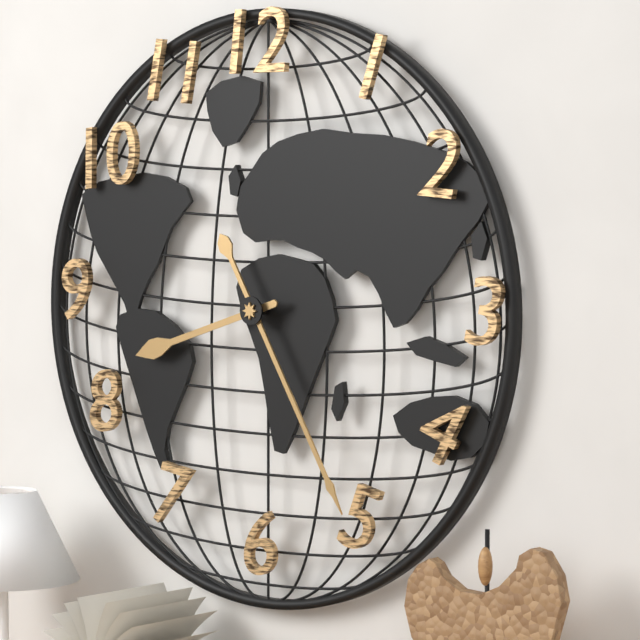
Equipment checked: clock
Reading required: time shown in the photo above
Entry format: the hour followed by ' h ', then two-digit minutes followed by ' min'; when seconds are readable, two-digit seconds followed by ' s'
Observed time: 8 h 25 min
